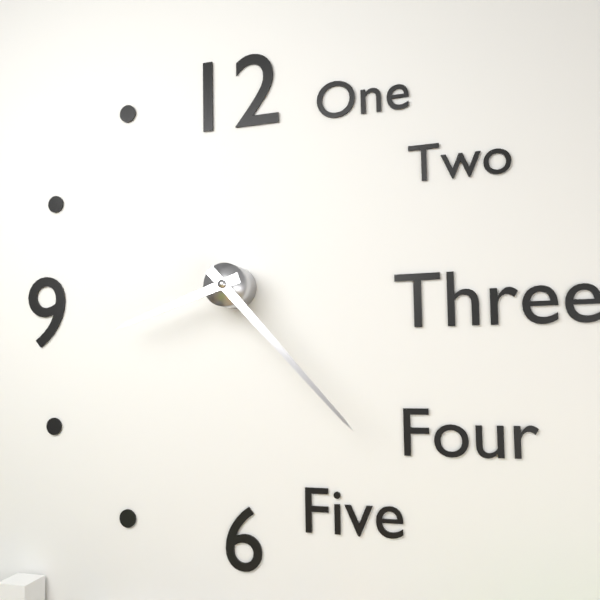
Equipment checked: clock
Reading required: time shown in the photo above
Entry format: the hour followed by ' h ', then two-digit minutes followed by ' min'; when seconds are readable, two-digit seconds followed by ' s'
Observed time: 8 h 23 min
